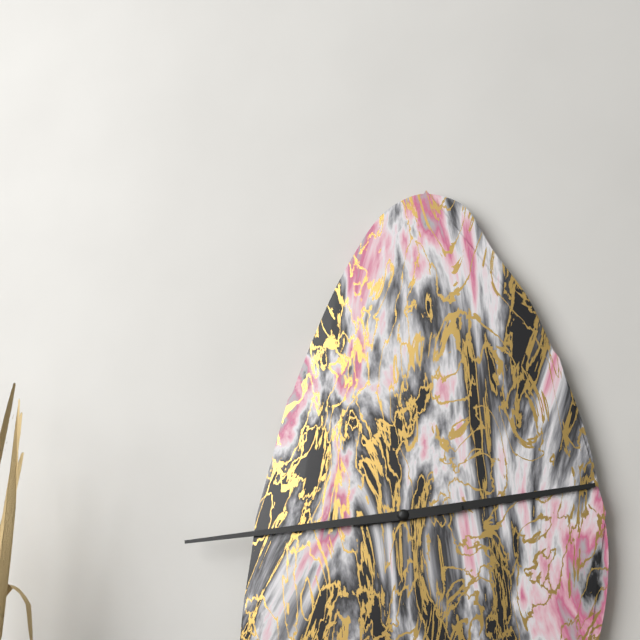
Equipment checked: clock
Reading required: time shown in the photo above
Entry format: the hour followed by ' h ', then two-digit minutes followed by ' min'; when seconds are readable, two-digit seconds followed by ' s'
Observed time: 2 h 44 min
